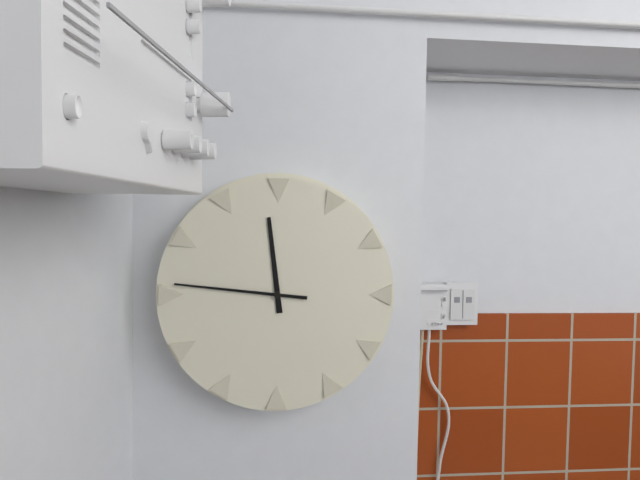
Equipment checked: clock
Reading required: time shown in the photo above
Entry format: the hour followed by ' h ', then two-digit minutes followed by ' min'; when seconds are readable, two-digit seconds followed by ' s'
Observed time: 11 h 46 min
